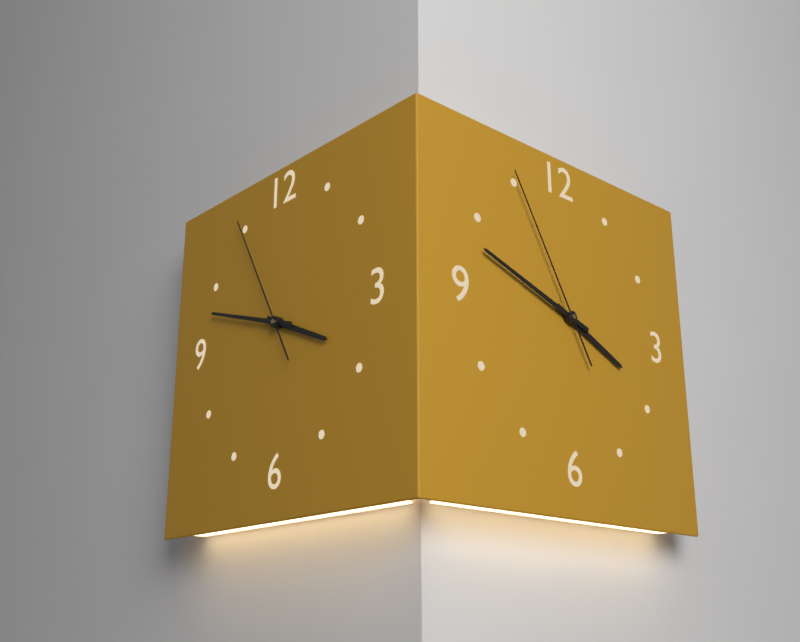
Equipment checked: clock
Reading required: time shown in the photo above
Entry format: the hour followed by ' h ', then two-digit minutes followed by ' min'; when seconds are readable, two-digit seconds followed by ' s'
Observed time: 3 h 48 min 55 s
